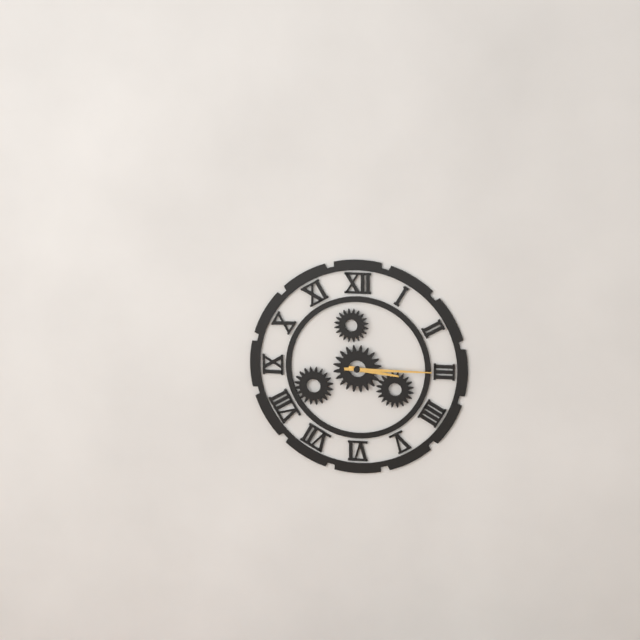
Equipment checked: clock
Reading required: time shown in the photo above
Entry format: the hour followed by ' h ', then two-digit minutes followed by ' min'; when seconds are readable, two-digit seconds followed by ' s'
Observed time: 3 h 15 min
